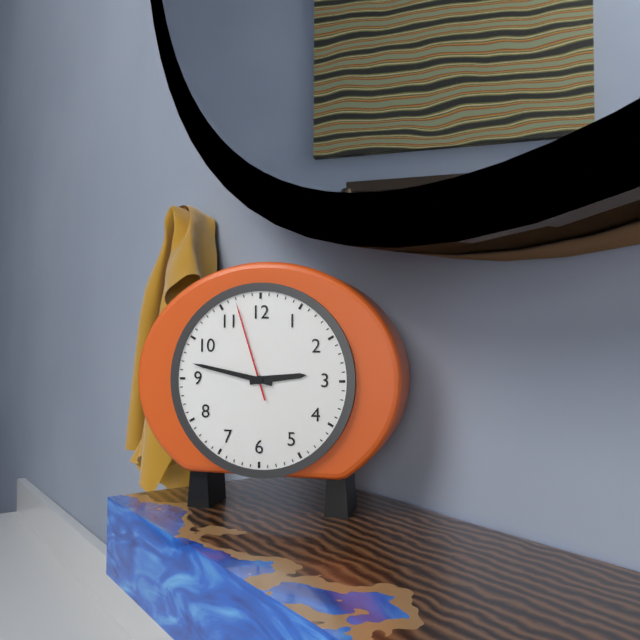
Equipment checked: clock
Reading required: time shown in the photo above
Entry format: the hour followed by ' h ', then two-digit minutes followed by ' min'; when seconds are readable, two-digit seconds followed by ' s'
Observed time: 2 h 47 min 57 s
